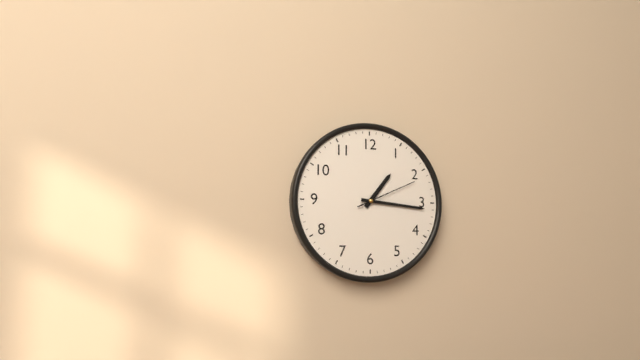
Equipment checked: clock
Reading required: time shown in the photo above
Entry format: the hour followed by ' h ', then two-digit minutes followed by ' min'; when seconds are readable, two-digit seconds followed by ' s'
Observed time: 1 h 16 min 11 s
